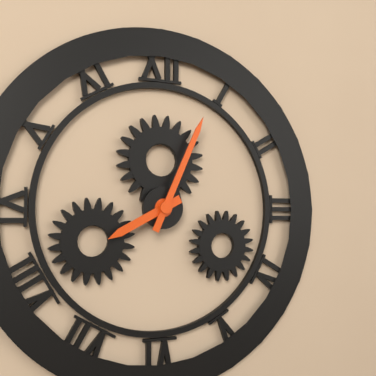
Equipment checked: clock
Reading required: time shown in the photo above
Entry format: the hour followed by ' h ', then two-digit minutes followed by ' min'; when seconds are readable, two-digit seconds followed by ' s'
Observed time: 8 h 04 min
